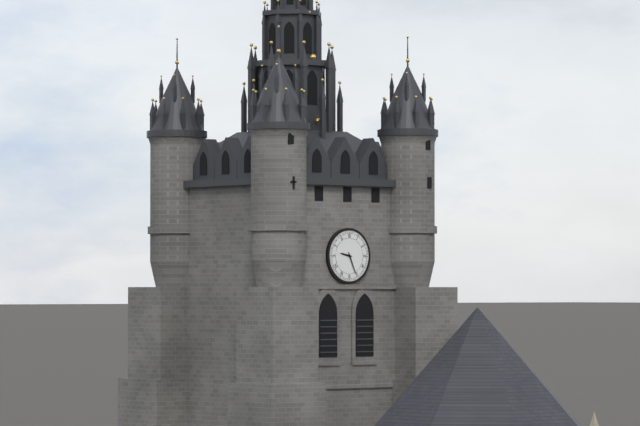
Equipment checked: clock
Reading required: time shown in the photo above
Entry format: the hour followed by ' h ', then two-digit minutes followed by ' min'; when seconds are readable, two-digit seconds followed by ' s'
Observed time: 9 h 26 min
